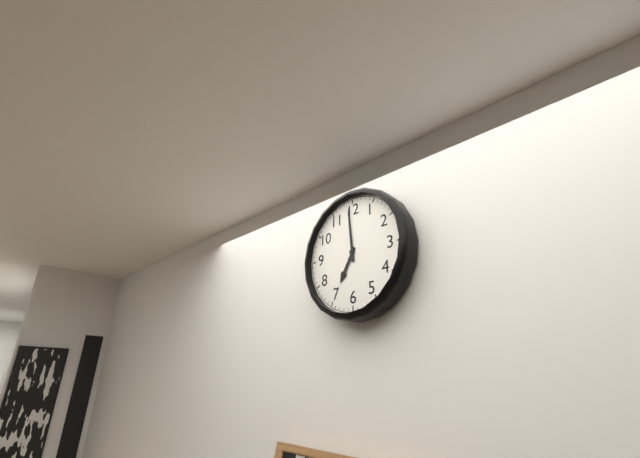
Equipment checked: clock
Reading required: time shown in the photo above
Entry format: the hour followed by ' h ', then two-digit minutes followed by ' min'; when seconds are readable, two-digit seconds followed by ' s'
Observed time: 6 h 59 min
